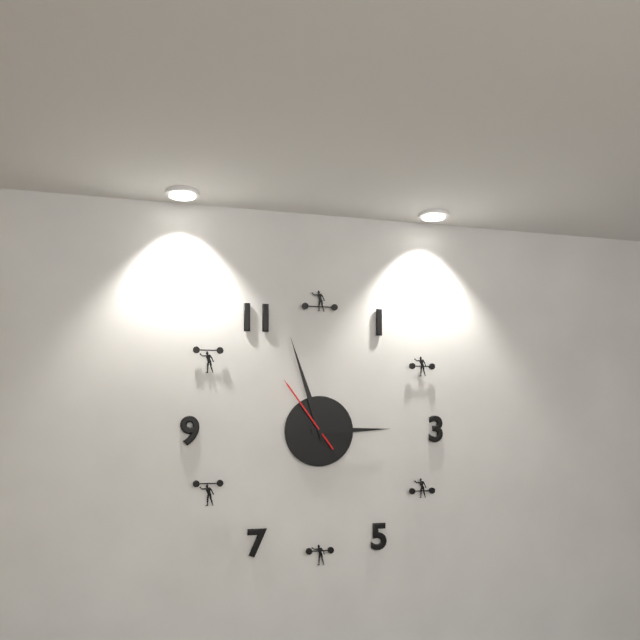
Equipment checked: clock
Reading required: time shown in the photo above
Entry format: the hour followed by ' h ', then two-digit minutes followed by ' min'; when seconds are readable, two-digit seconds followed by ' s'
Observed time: 2 h 57 min 54 s
